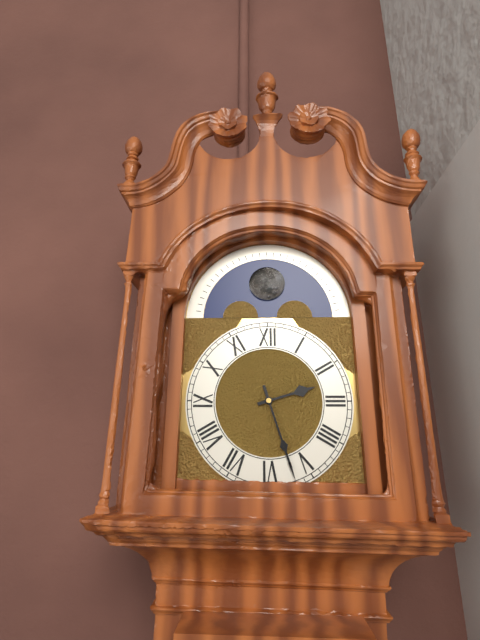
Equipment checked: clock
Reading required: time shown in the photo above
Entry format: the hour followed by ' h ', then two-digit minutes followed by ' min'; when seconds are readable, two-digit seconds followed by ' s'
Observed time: 2 h 27 min
